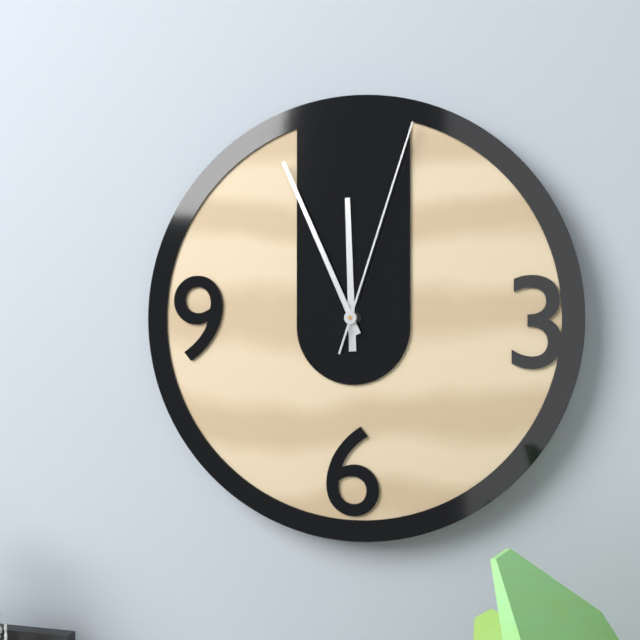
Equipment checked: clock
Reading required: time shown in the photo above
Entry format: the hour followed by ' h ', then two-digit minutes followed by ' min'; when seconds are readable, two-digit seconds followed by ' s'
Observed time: 11 h 56 min 03 s
